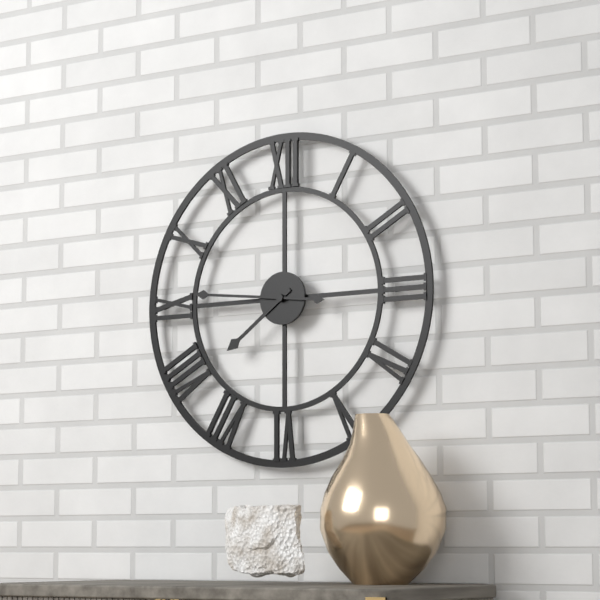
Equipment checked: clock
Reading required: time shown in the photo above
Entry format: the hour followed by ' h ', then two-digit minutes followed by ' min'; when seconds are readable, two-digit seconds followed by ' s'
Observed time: 7 h 46 min
